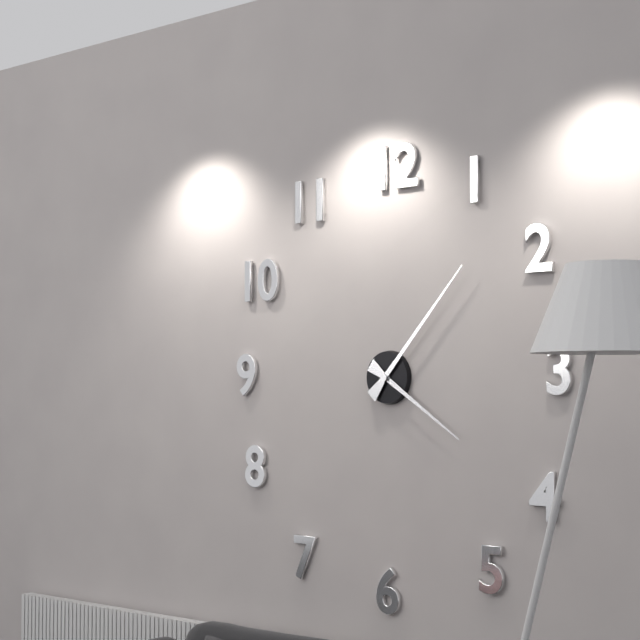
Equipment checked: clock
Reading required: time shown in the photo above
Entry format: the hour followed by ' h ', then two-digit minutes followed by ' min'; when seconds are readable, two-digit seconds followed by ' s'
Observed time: 4 h 07 min
